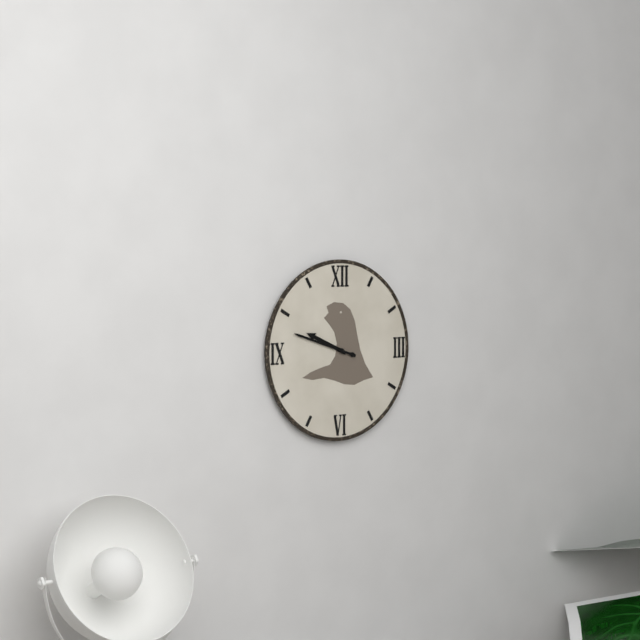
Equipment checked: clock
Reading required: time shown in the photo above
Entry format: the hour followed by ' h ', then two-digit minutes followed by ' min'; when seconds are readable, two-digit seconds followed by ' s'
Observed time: 9 h 48 min
